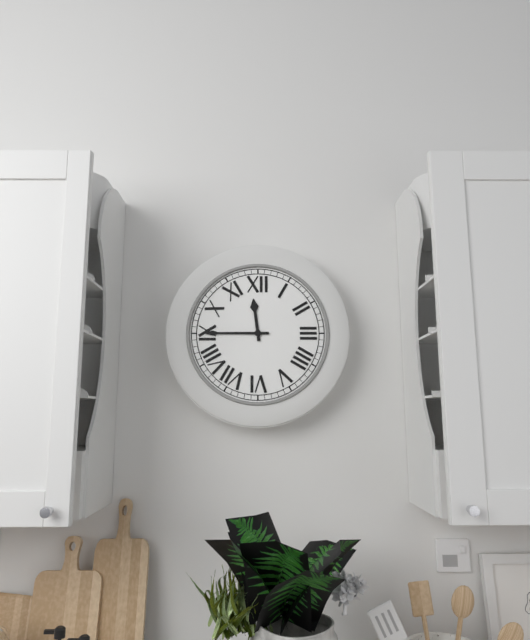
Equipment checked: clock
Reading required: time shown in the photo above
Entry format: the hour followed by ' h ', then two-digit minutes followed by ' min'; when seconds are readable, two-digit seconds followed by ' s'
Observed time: 11 h 45 min
